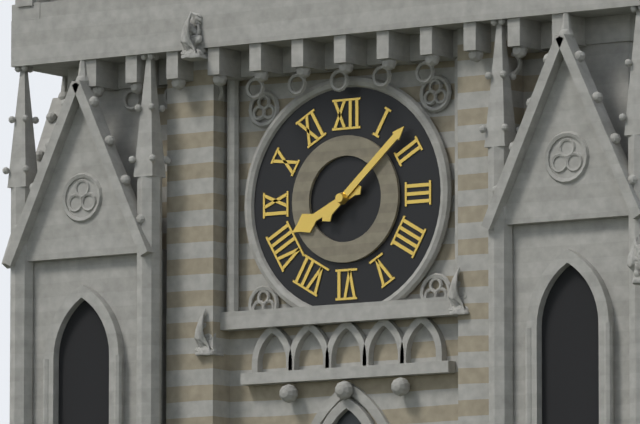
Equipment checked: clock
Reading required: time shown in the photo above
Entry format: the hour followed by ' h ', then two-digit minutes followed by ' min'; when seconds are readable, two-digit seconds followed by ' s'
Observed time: 8 h 08 min
